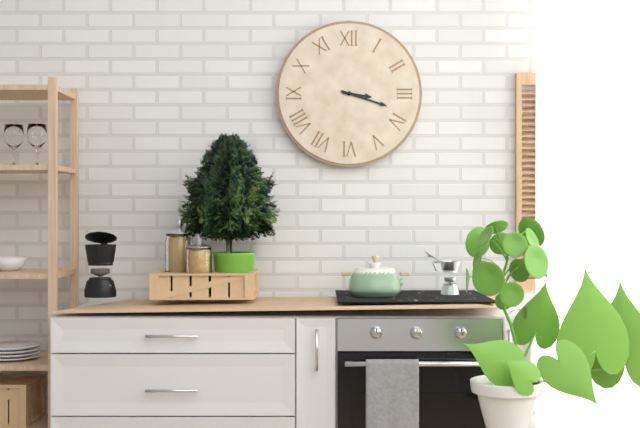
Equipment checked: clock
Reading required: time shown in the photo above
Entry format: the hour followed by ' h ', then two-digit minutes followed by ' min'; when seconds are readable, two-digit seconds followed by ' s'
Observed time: 3 h 18 min
